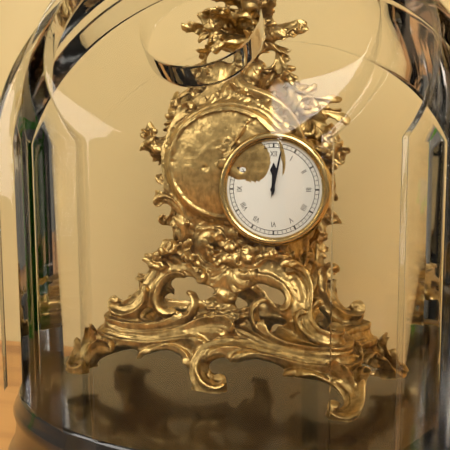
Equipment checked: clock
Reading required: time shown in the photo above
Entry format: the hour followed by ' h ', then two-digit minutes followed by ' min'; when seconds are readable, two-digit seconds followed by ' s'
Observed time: 12 h 02 min
